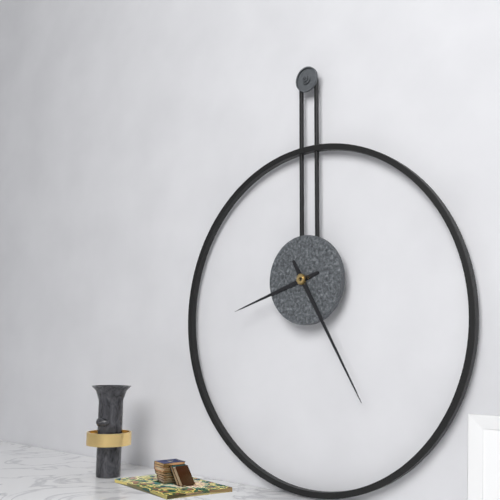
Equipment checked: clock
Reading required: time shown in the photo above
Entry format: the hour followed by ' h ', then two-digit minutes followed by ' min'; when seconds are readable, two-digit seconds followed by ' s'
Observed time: 8 h 25 min
